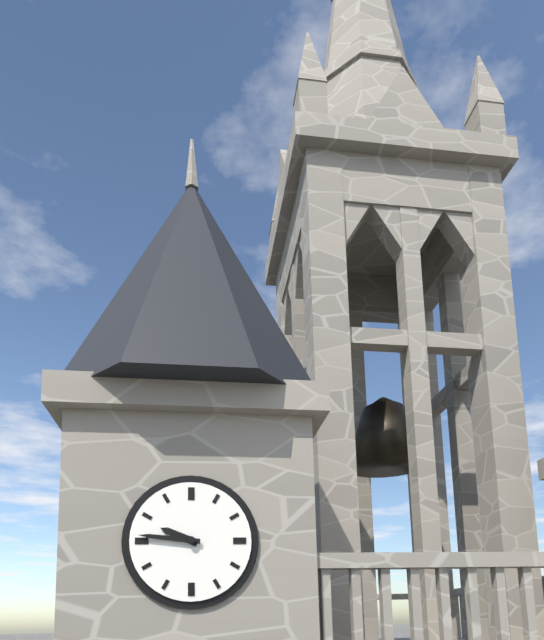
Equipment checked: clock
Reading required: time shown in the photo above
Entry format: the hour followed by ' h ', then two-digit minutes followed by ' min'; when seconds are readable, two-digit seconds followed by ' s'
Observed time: 9 h 46 min
